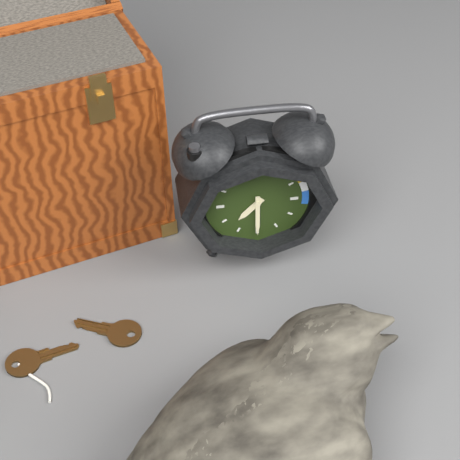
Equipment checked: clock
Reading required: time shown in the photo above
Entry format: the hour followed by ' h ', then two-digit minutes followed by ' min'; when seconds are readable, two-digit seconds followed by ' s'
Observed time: 7 h 30 min
